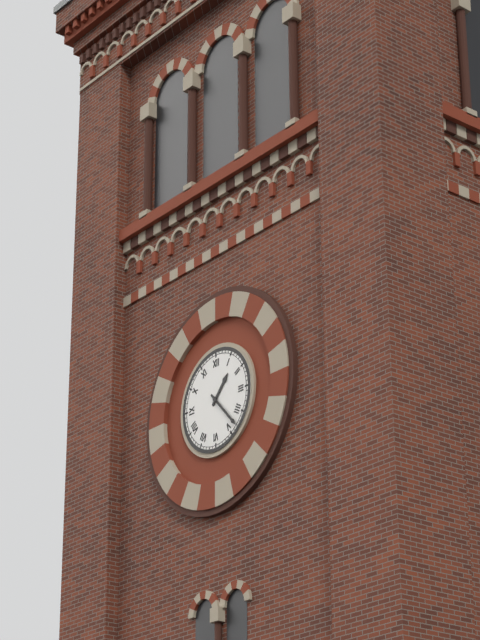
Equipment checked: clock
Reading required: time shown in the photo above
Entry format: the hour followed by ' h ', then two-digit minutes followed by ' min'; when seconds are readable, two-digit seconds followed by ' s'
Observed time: 1 h 23 min
